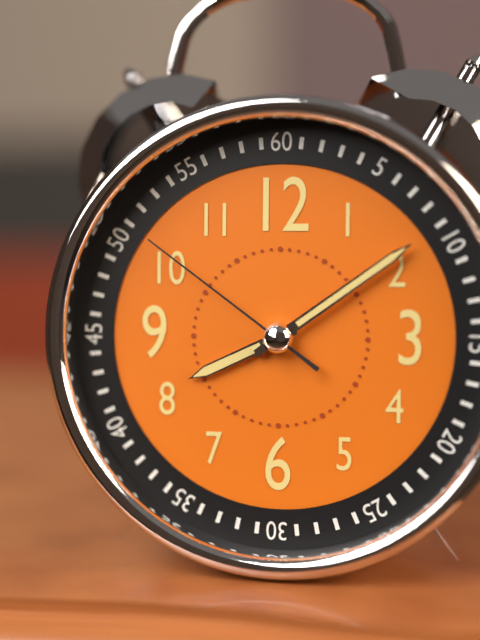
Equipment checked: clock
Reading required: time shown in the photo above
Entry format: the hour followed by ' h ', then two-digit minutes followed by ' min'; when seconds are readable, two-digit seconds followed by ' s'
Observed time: 8 h 09 min 51 s
